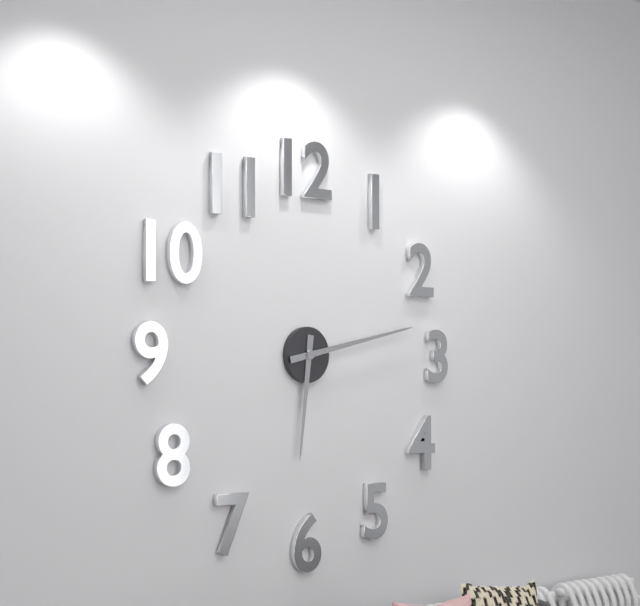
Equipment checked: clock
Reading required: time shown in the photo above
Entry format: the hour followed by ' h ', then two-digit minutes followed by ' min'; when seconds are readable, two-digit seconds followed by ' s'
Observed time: 6 h 13 min
